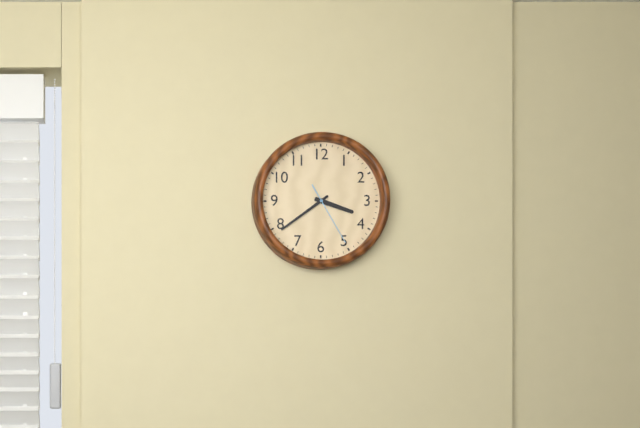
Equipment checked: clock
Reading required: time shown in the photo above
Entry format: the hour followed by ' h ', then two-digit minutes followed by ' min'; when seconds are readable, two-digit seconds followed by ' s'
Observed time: 3 h 39 min 25 s
